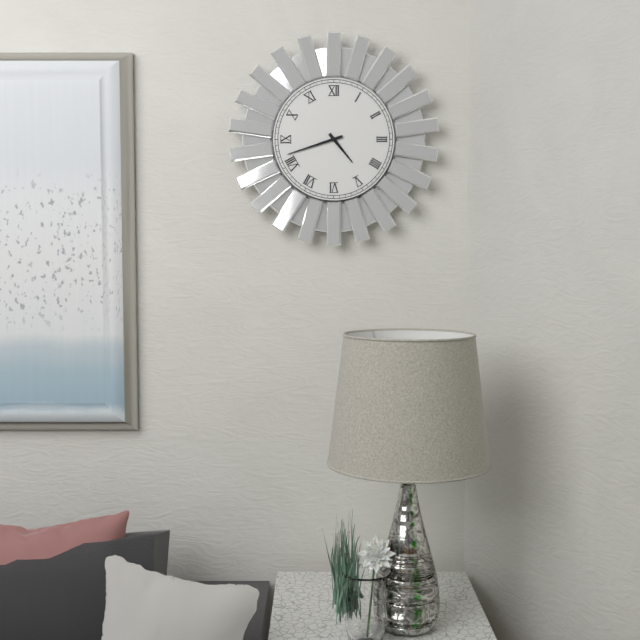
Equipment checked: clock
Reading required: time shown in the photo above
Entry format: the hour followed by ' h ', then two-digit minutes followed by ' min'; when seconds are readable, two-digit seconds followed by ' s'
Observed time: 4 h 42 min
